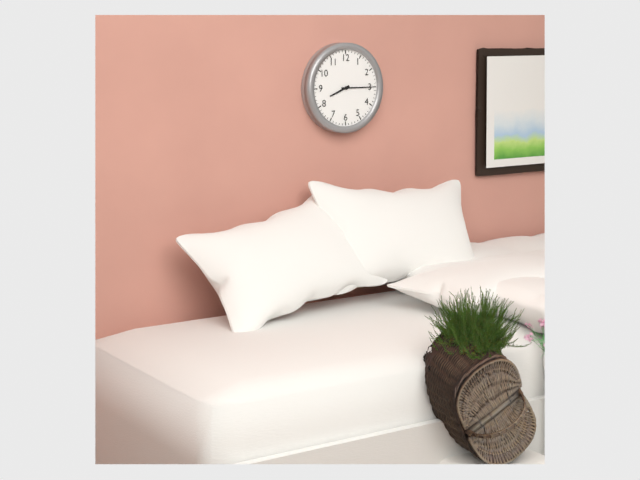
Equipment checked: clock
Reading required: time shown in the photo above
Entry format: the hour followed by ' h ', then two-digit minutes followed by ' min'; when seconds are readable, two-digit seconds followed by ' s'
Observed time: 8 h 15 min
